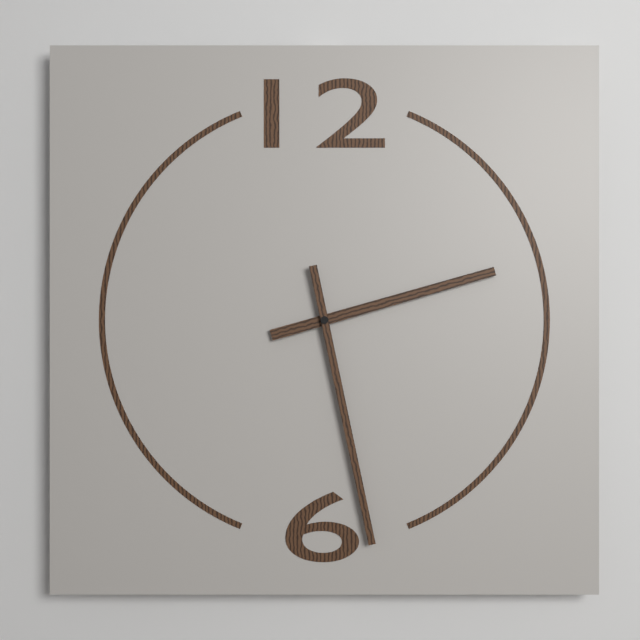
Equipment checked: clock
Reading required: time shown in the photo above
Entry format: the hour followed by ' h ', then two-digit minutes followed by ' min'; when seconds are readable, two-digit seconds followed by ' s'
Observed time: 2 h 28 min
